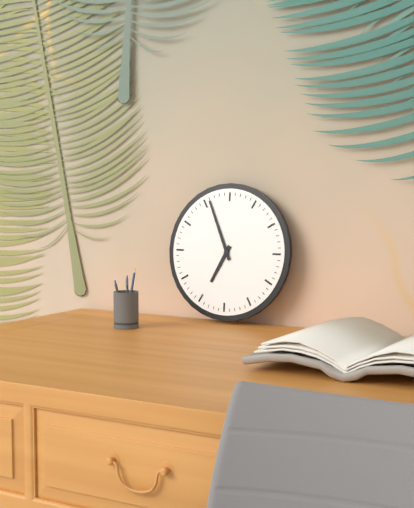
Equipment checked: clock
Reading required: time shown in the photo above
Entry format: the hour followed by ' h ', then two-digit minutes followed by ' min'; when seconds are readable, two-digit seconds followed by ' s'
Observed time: 6 h 56 min
